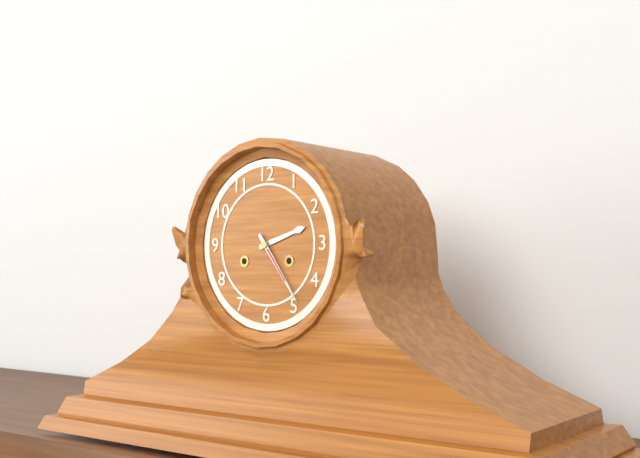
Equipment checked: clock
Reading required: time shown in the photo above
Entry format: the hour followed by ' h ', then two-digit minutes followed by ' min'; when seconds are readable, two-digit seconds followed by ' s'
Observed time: 2 h 24 min
